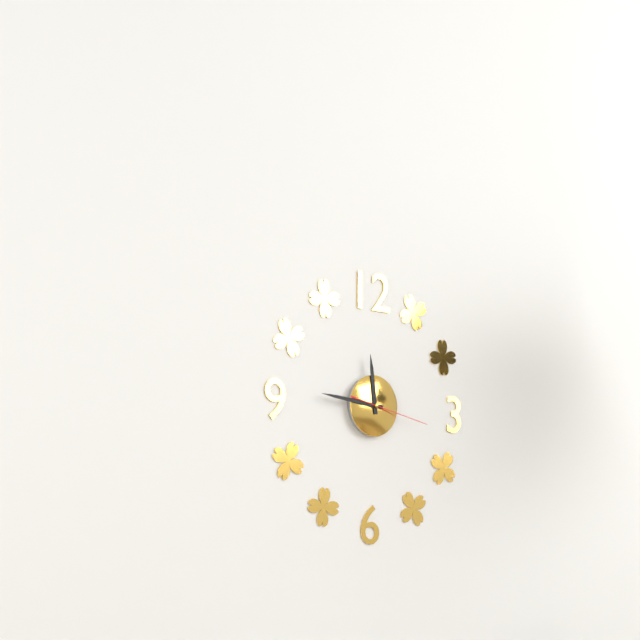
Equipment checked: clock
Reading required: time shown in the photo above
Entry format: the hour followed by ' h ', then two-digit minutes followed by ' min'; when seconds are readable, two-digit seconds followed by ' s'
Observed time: 11 h 46 min 17 s
